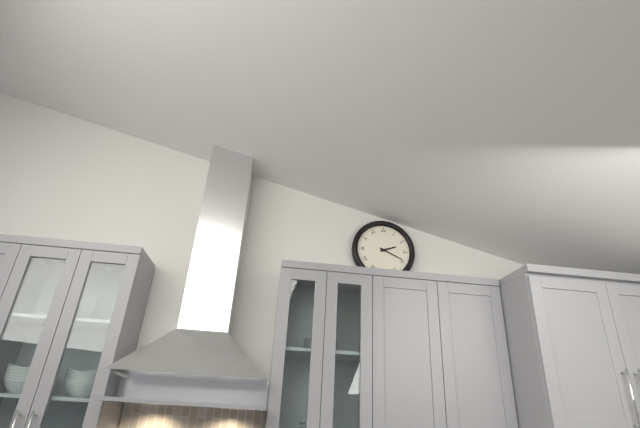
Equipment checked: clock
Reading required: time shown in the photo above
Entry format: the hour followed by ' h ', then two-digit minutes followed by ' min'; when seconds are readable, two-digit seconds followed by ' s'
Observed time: 2 h 19 min
